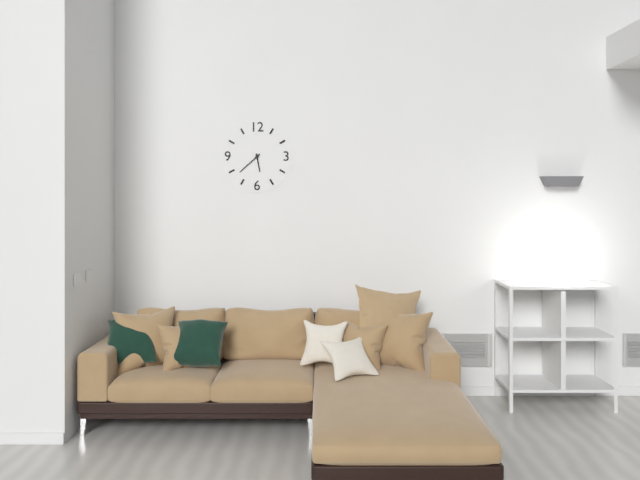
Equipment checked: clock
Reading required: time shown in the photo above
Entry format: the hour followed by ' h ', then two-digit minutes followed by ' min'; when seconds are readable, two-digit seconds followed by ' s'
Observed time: 5 h 38 min
